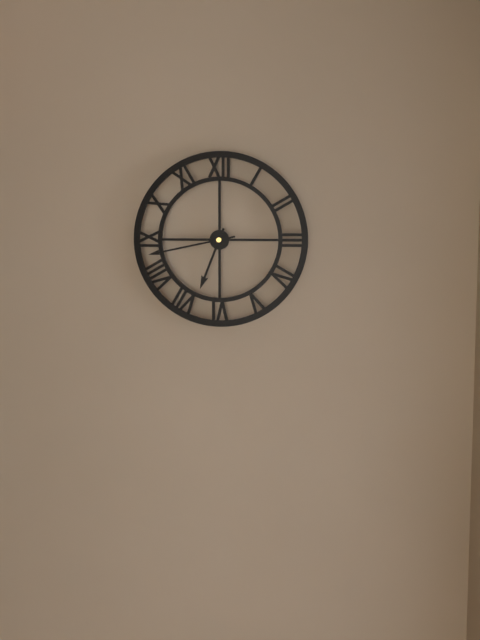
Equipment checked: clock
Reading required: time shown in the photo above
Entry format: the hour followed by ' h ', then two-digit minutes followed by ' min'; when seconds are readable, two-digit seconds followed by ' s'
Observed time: 6 h 43 min
